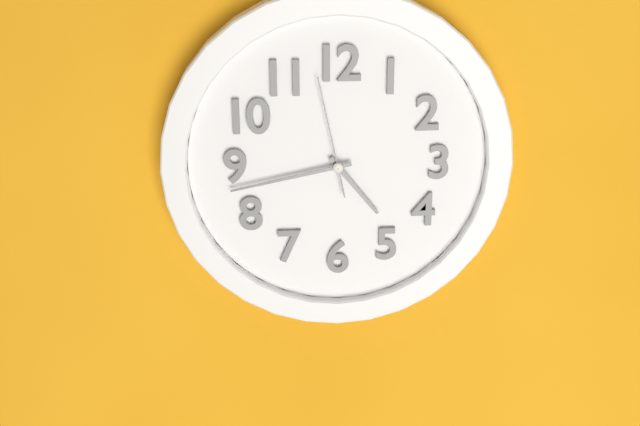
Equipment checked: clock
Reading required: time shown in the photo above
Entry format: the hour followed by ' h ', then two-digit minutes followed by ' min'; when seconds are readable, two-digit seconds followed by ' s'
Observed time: 4 h 43 min 58 s
